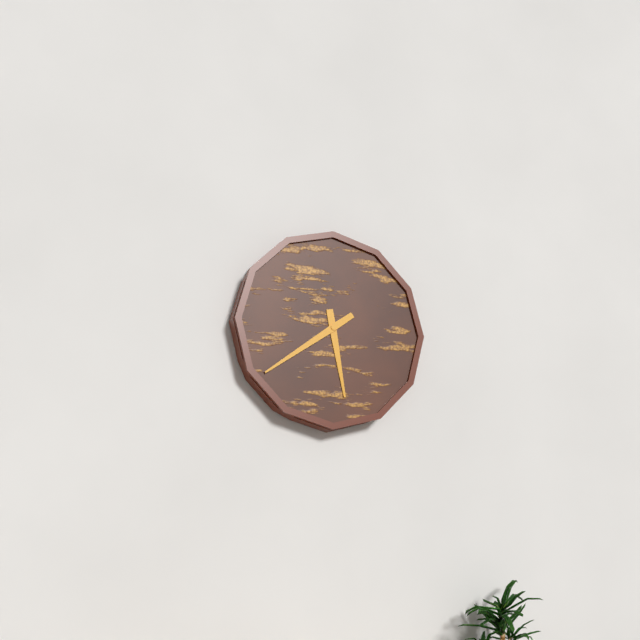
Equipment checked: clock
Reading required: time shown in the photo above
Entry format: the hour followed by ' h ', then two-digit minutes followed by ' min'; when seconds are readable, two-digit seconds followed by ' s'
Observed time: 5 h 39 min
